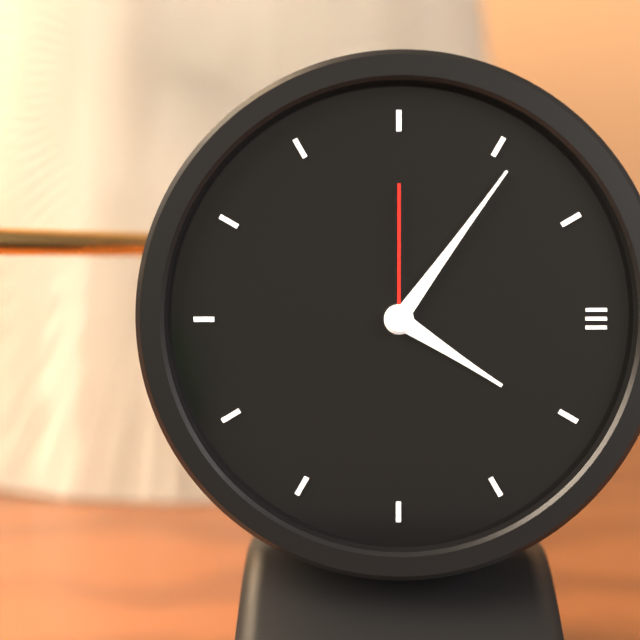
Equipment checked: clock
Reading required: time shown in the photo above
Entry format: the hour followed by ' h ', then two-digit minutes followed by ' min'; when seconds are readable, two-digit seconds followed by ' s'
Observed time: 4 h 06 min 00 s
